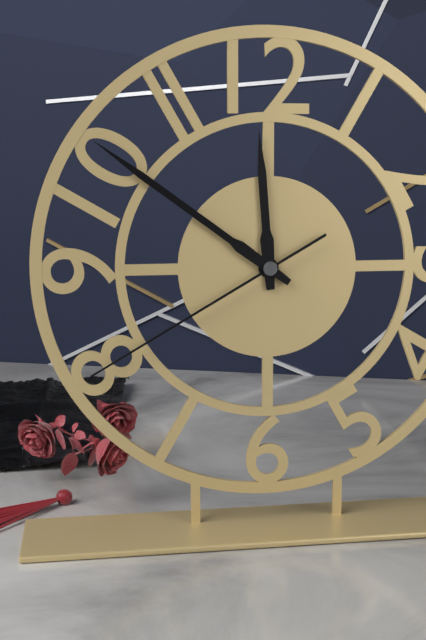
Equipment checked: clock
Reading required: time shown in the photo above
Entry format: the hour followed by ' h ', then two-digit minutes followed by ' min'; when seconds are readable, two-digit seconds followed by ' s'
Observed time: 11 h 51 min 40 s
